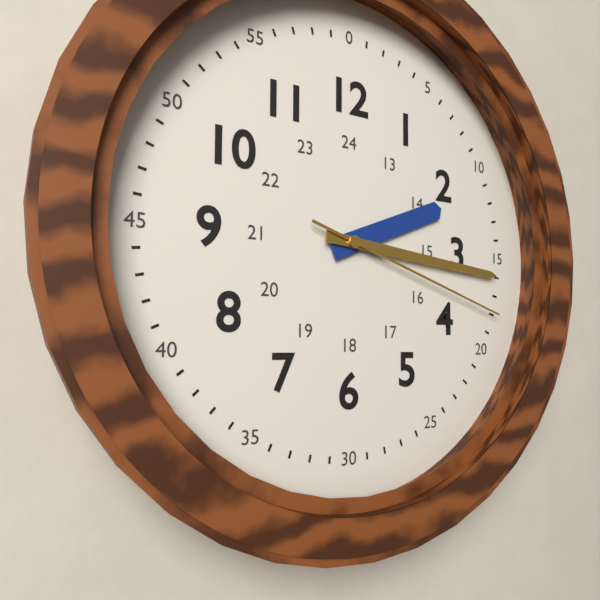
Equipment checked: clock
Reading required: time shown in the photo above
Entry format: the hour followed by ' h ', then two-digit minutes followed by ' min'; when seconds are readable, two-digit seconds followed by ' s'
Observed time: 2 h 16 min 18 s
